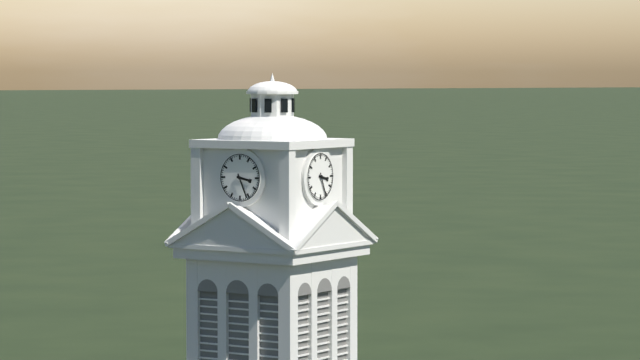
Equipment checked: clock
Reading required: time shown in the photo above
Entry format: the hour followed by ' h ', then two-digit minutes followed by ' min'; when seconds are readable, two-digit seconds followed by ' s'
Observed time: 3 h 26 min
